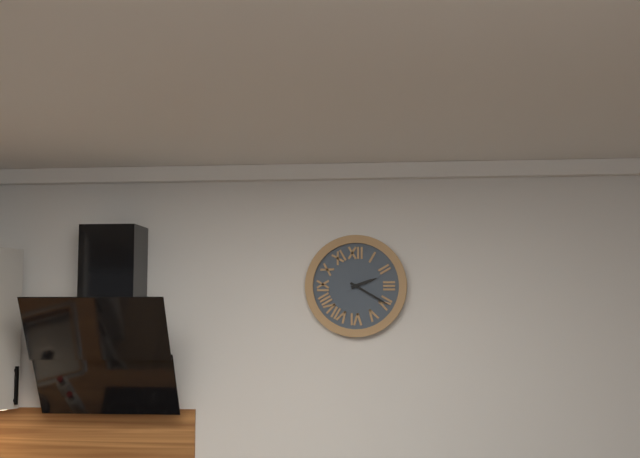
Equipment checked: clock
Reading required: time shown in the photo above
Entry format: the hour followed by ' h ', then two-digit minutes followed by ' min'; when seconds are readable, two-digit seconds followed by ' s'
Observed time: 2 h 20 min
